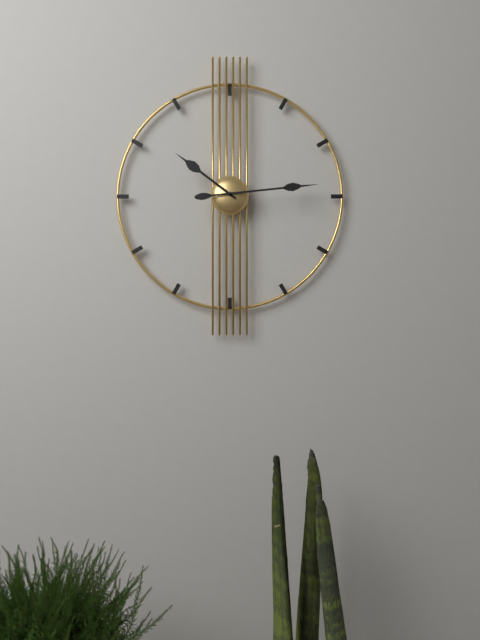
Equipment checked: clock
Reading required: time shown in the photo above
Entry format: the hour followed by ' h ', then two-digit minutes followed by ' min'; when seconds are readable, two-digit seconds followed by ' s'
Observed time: 10 h 14 min
